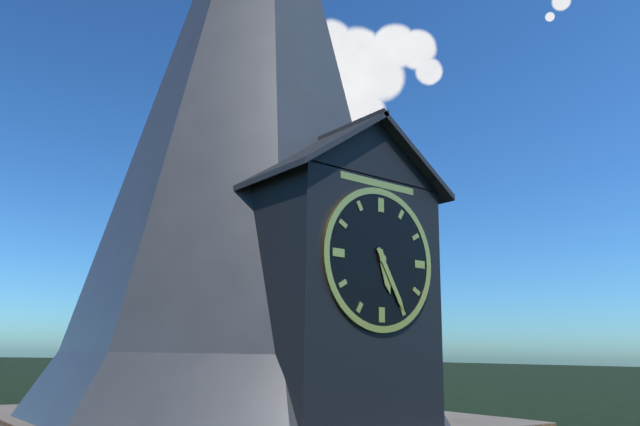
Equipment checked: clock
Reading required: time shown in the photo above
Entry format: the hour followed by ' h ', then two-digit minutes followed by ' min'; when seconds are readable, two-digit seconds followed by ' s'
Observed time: 5 h 25 min
